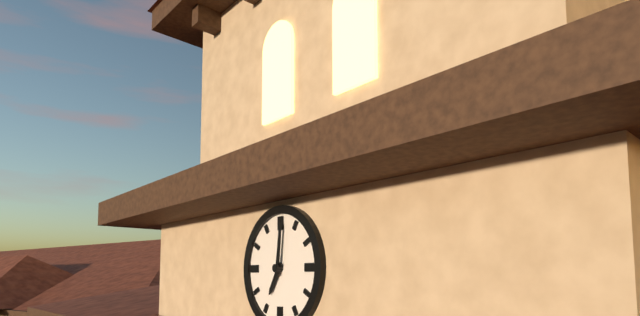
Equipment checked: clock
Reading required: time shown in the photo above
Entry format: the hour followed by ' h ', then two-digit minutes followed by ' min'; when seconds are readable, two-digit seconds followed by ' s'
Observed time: 7 h 01 min
